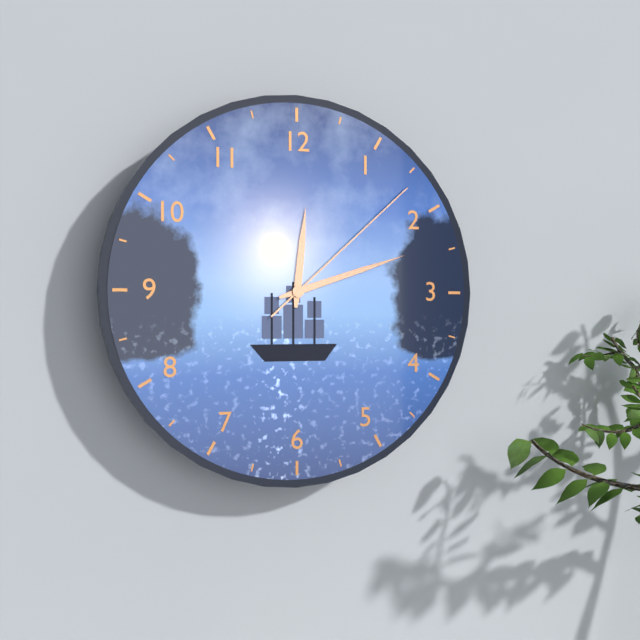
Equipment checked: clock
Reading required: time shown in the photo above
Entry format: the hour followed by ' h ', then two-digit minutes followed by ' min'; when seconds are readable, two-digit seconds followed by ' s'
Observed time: 12 h 12 min 08 s
